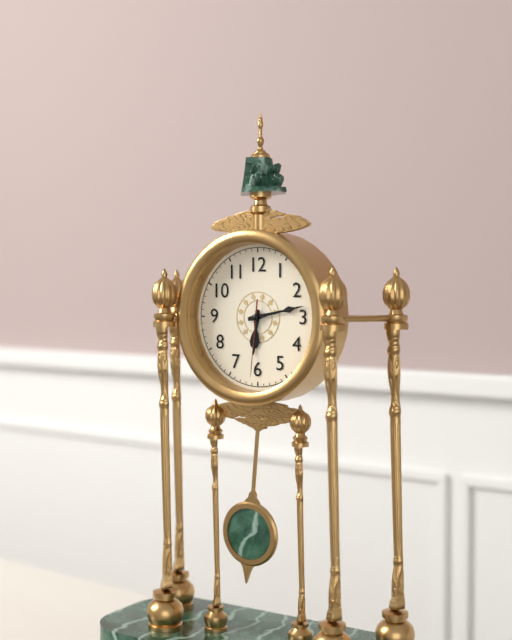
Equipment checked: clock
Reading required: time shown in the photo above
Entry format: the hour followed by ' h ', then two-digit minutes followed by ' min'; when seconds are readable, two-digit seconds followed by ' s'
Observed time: 6 h 13 min 31 s
